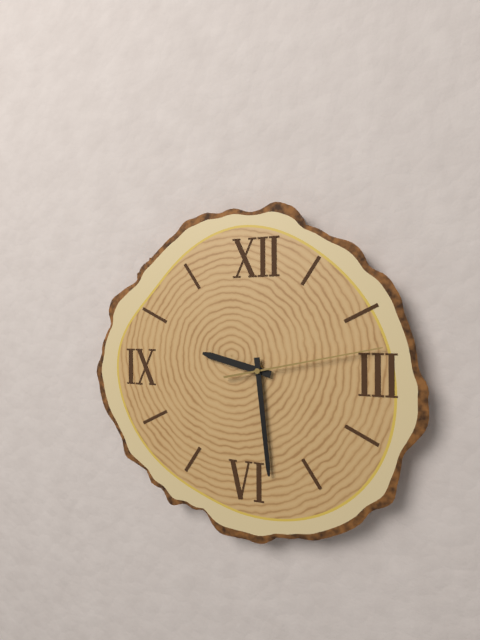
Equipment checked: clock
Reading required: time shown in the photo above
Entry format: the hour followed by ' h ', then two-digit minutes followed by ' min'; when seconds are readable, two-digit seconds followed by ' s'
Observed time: 9 h 29 min 13 s
